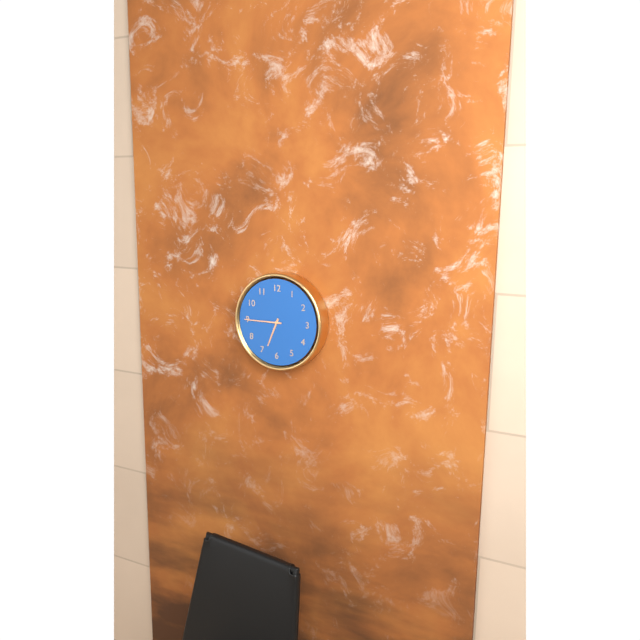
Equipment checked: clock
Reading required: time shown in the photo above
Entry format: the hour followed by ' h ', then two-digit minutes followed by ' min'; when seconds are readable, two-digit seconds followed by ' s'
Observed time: 6 h 45 min
